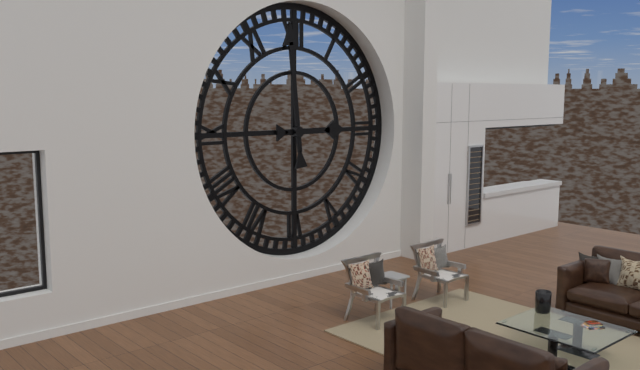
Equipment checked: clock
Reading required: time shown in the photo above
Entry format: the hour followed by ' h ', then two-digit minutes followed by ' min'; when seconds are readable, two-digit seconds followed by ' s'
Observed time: 2 h 59 min
